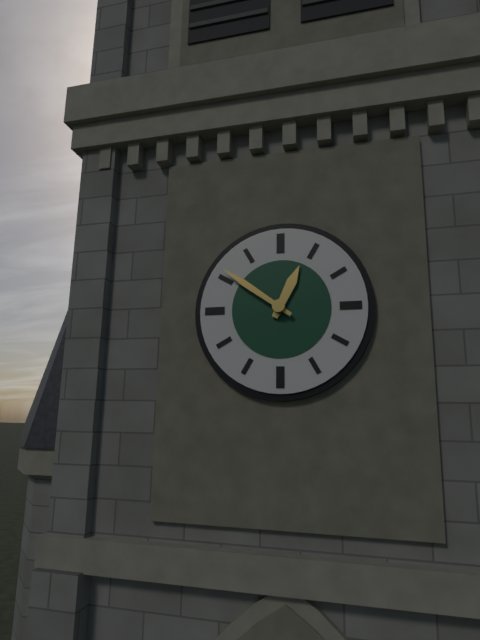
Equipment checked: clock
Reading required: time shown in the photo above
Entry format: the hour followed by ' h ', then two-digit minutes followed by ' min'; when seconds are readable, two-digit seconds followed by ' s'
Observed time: 12 h 51 min
